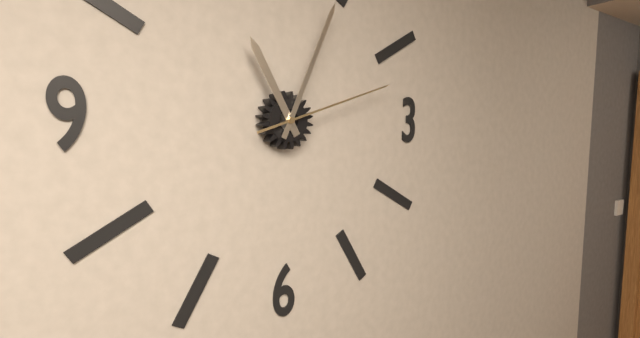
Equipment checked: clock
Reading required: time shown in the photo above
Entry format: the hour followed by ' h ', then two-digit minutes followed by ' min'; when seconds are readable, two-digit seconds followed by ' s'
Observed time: 11 h 04 min 12 s
